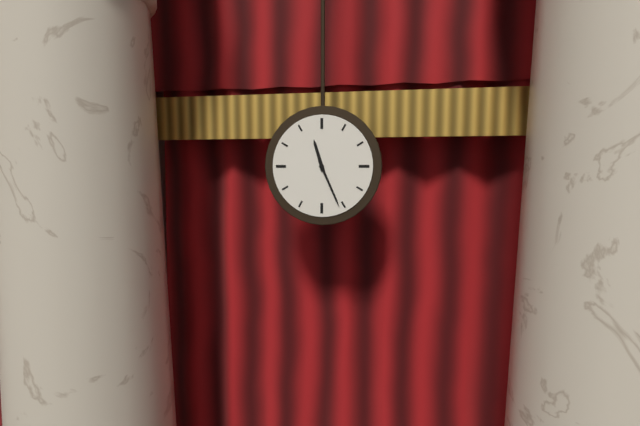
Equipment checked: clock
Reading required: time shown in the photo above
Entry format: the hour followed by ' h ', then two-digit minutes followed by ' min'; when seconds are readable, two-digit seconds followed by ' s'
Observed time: 11 h 26 min
